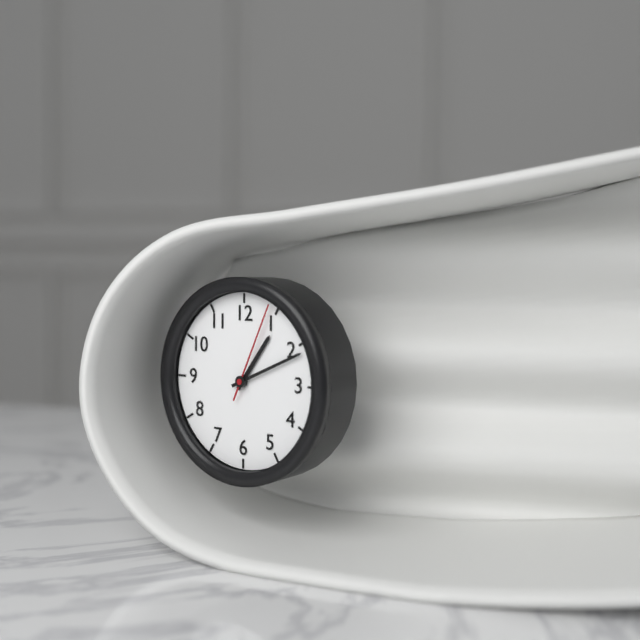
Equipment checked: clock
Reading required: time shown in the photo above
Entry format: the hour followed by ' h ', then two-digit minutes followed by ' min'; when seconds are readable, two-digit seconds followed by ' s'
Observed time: 1 h 11 min 04 s
